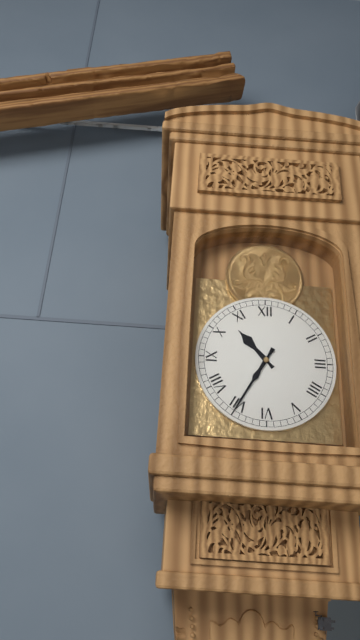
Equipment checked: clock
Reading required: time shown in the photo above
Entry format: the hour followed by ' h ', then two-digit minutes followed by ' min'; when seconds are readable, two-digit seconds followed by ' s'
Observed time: 10 h 35 min
